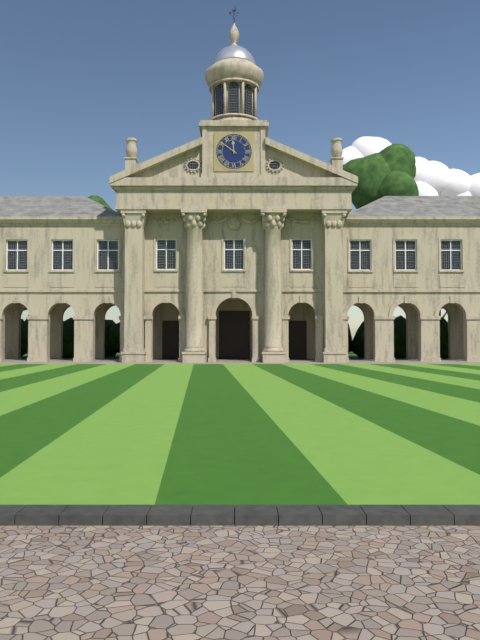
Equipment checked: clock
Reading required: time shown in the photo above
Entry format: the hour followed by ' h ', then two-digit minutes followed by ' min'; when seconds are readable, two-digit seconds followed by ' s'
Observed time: 11 h 51 min
